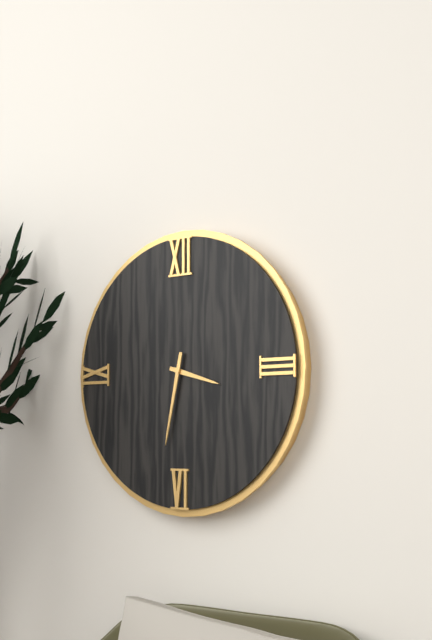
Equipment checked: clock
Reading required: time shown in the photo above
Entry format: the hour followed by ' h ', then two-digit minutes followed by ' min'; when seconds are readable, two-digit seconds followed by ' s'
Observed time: 3 h 32 min
